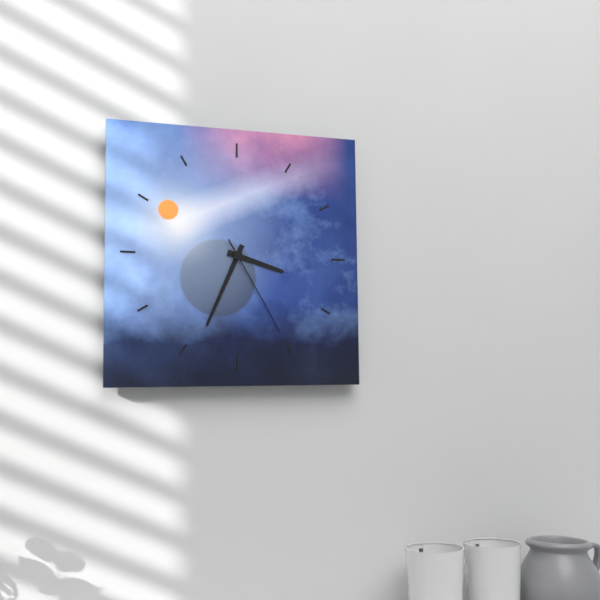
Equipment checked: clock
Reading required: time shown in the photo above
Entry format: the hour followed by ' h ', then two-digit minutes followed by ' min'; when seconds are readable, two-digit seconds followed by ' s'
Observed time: 3 h 34 min 25 s
